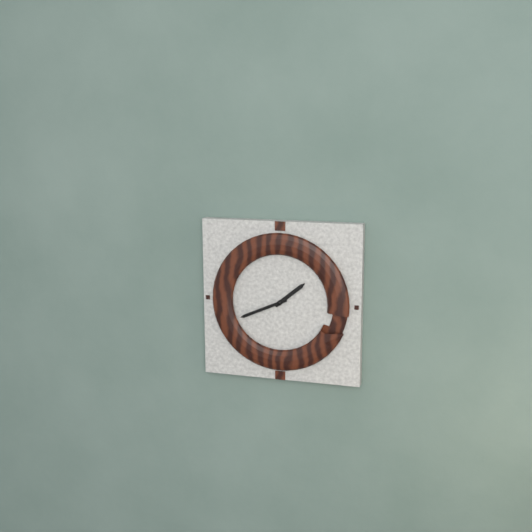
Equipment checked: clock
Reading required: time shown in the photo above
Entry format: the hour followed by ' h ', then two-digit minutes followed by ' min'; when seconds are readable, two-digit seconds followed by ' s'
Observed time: 1 h 41 min
